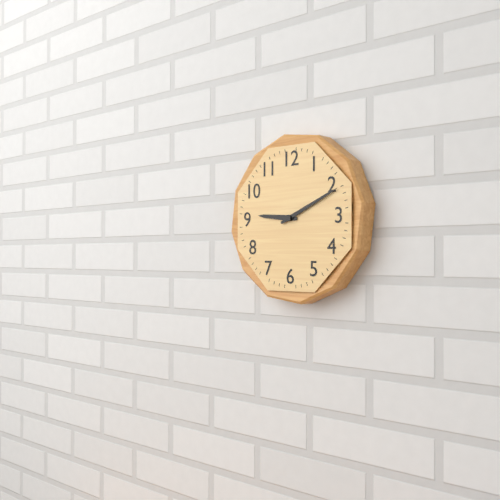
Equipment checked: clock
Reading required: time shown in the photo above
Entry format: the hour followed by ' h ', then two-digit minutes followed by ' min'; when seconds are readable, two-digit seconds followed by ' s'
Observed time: 9 h 11 min
